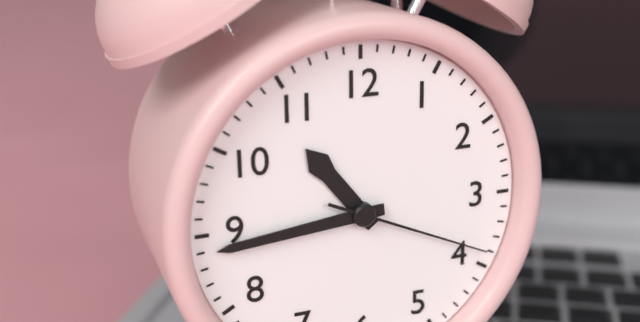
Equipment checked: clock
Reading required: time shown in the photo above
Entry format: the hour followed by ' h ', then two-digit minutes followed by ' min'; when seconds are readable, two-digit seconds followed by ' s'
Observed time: 10 h 44 min 19 s
